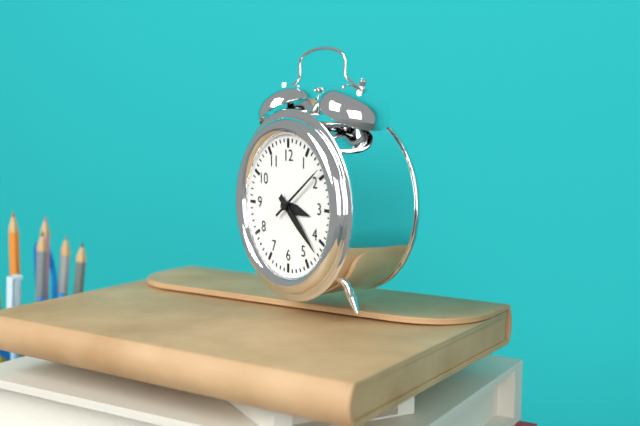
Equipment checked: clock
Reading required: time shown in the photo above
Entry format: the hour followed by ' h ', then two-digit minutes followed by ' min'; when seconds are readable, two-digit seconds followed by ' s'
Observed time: 3 h 22 min 09 s
